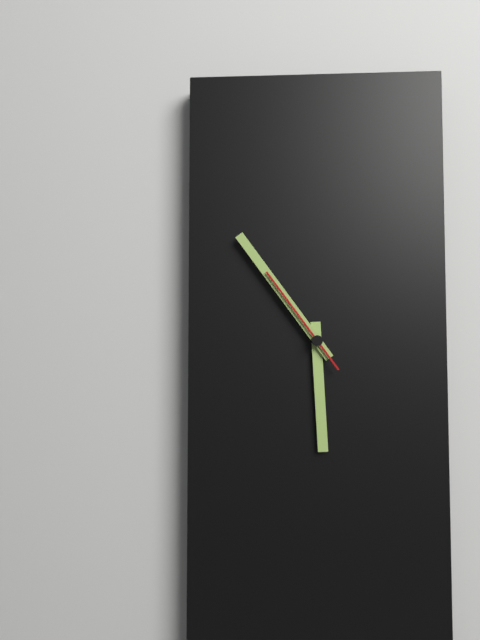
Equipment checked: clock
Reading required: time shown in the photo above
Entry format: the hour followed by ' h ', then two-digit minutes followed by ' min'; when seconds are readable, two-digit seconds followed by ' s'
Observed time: 5 h 54 min 54 s
